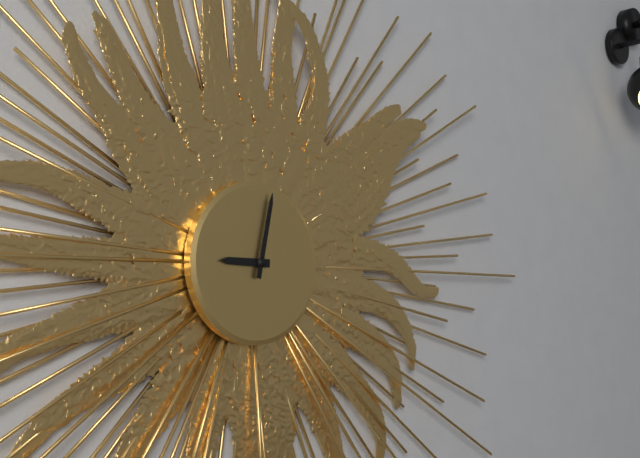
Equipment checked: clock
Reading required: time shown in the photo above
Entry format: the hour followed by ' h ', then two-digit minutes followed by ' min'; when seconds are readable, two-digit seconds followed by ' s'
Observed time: 9 h 02 min
